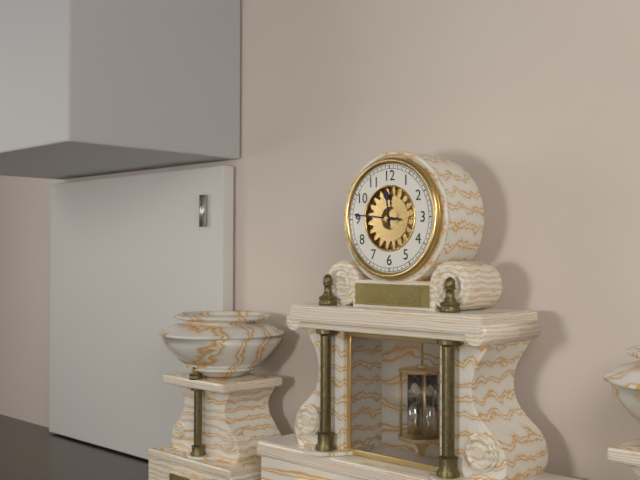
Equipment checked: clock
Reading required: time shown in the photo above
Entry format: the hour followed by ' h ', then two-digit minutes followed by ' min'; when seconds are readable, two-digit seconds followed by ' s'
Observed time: 11 h 46 min
